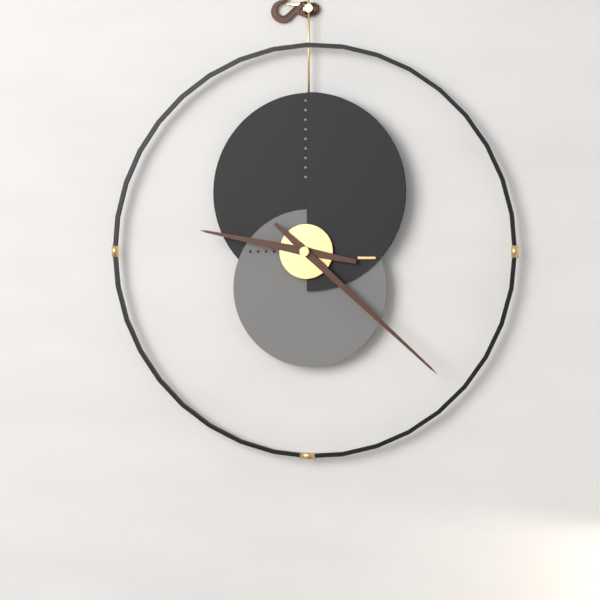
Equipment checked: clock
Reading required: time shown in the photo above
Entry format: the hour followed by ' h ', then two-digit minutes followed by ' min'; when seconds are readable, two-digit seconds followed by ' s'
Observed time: 9 h 22 min
